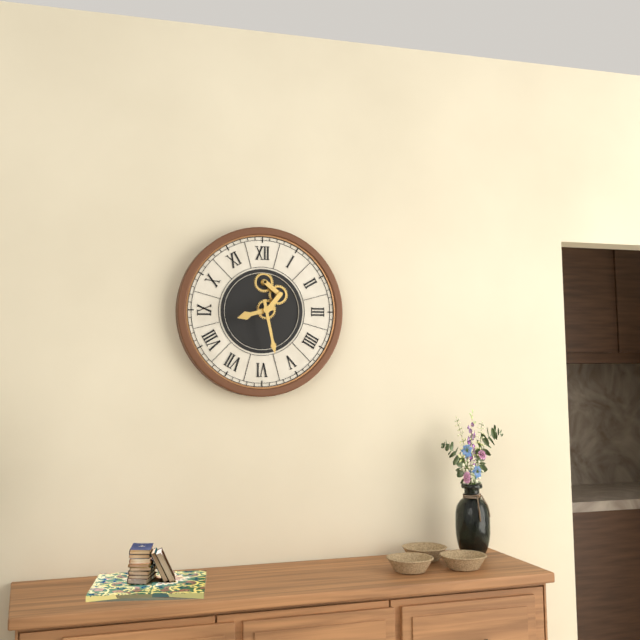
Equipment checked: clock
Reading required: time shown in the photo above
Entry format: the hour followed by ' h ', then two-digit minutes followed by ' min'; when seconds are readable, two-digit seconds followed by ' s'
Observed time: 8 h 28 min
